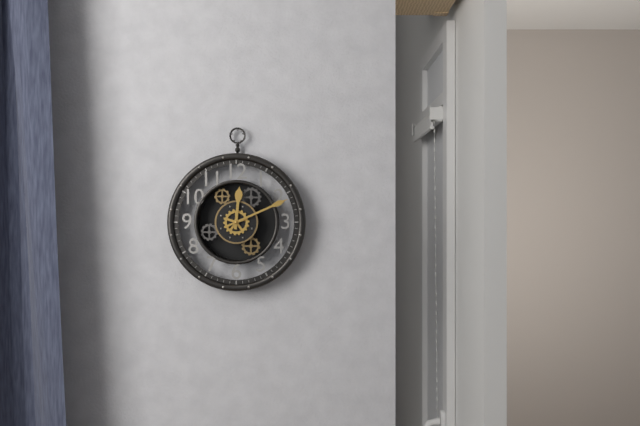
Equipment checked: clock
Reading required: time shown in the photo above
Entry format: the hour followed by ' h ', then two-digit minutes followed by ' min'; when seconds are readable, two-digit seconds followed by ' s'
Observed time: 12 h 11 min
